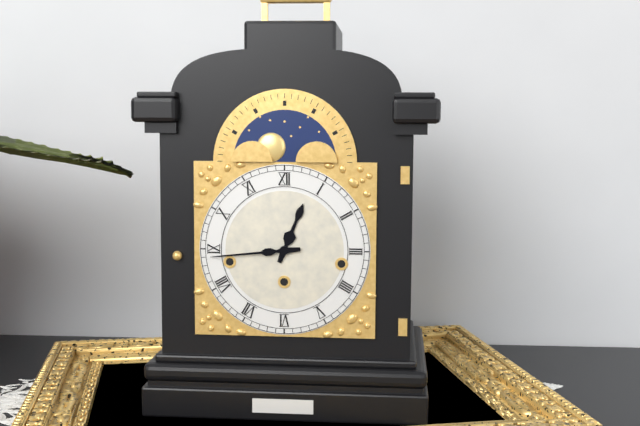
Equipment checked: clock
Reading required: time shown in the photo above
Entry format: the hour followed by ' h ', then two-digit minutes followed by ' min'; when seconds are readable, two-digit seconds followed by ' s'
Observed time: 12 h 44 min
